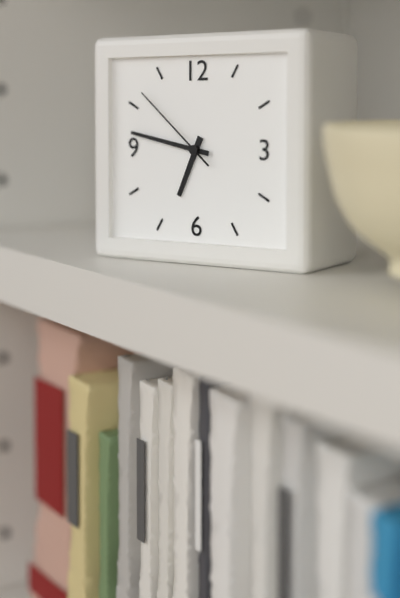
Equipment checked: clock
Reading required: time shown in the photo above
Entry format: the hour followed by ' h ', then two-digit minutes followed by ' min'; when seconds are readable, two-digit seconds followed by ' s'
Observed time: 6 h 47 min 52 s
